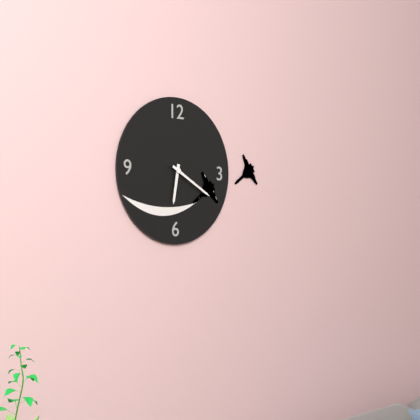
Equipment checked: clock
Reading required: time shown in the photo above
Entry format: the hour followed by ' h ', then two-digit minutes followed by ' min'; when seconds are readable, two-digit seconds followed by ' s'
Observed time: 6 h 20 min
